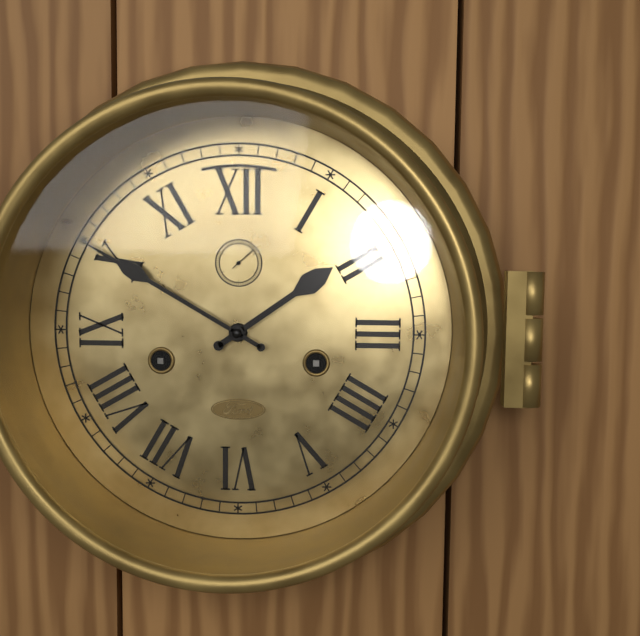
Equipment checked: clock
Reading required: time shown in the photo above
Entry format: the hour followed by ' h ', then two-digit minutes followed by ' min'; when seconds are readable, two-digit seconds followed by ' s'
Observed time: 1 h 50 min
